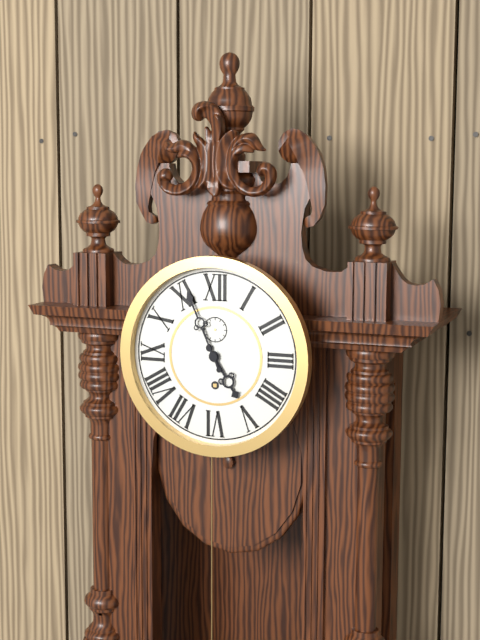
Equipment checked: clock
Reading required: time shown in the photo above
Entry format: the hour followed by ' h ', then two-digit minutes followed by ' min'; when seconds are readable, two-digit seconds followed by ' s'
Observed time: 4 h 56 min
